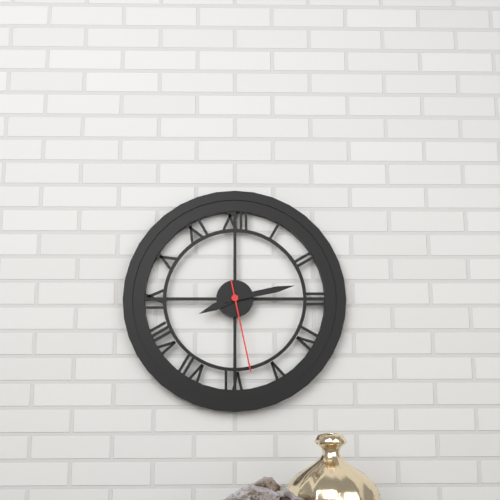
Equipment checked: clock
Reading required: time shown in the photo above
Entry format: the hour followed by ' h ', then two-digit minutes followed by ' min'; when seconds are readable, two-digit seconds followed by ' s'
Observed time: 8 h 13 min 28 s
